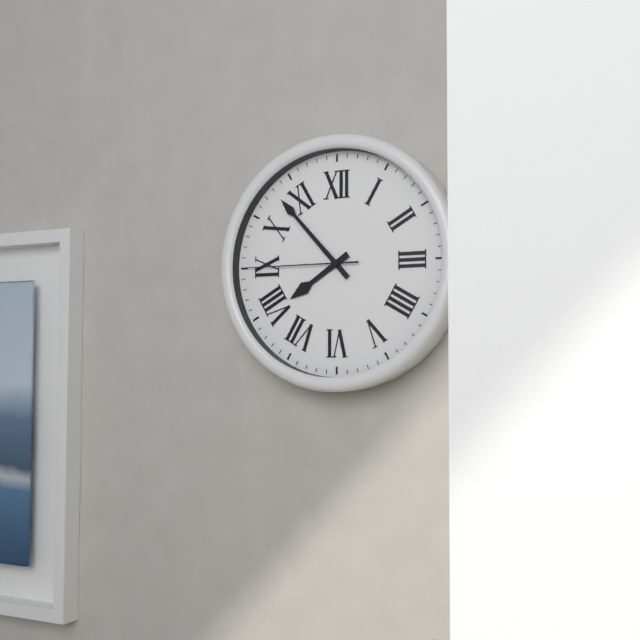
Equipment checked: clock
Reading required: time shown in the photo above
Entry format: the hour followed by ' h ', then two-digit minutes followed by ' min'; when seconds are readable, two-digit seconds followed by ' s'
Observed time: 7 h 53 min 45 s
